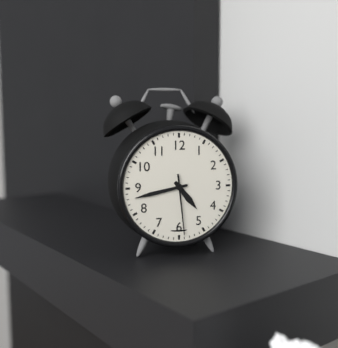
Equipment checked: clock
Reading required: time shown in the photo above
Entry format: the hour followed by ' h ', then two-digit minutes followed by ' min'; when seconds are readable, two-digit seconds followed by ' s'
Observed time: 4 h 43 min 29 s
